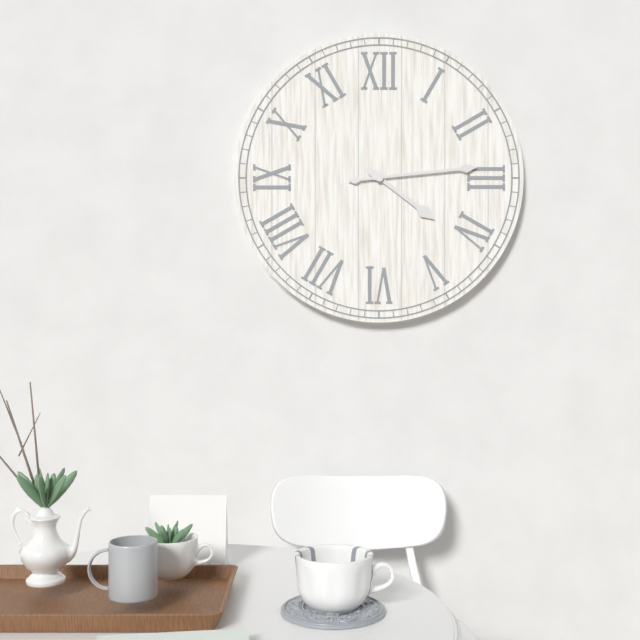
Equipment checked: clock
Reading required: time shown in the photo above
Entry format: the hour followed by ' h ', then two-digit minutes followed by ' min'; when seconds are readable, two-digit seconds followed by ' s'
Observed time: 4 h 14 min
